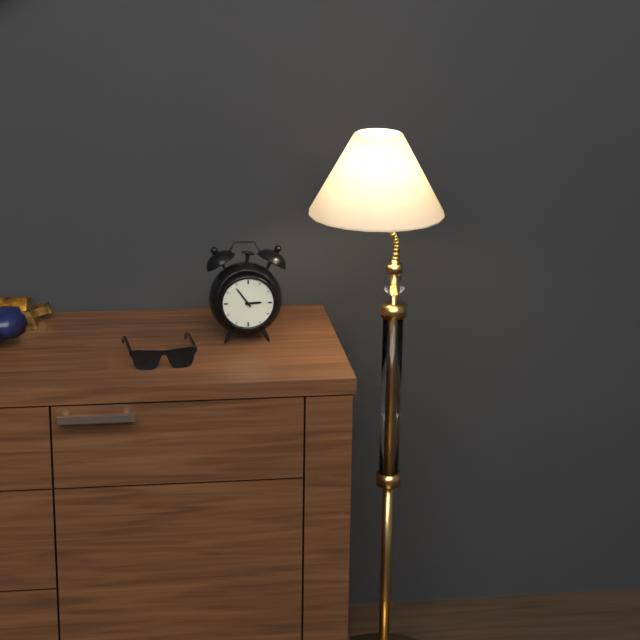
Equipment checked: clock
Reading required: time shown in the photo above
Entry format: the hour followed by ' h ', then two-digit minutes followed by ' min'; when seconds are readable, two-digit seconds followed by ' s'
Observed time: 2 h 54 min
